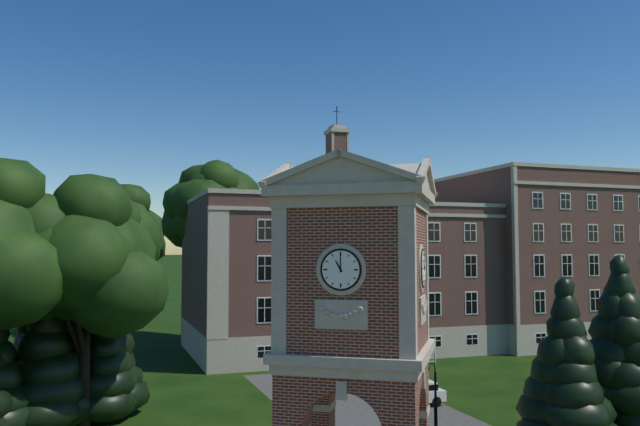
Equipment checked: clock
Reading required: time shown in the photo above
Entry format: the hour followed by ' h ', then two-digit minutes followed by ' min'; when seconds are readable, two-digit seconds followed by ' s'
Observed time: 11 h 00 min
